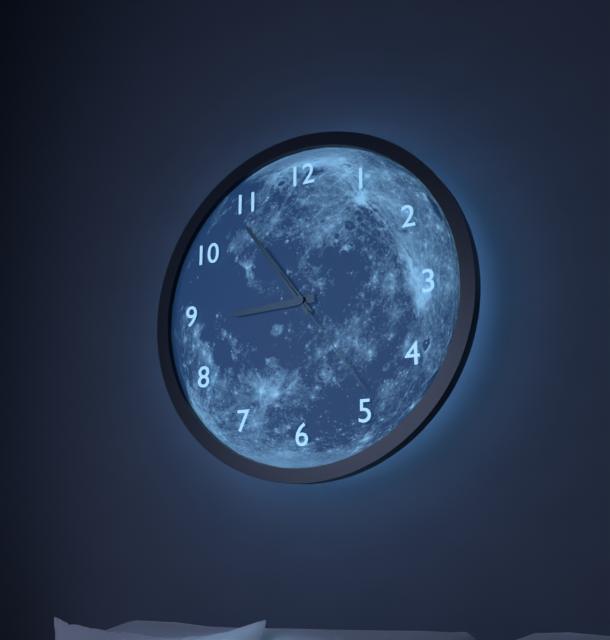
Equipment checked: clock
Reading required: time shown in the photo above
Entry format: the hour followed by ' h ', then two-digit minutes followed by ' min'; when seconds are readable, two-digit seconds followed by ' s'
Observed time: 8 h 54 min 24 s
